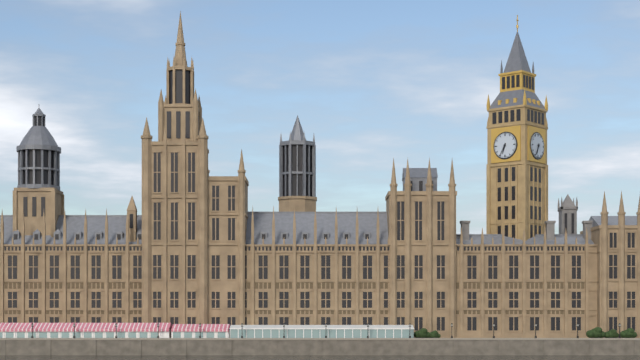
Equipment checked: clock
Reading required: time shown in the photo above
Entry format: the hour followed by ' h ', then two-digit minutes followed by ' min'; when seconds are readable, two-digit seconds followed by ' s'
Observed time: 6 h 35 min
